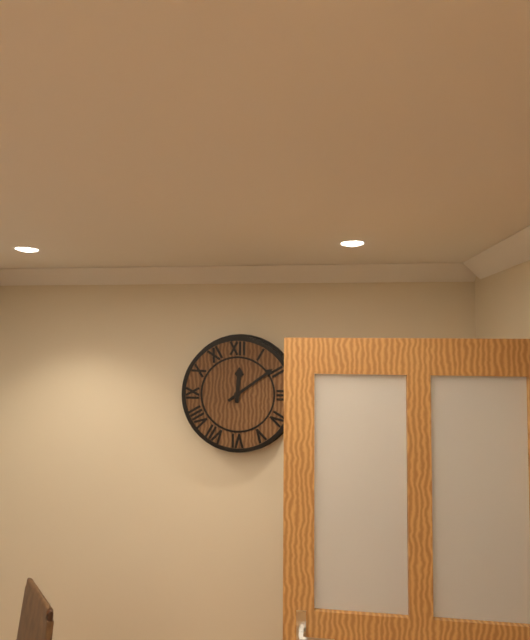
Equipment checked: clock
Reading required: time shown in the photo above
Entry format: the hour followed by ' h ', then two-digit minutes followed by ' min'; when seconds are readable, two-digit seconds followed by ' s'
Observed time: 12 h 09 min
